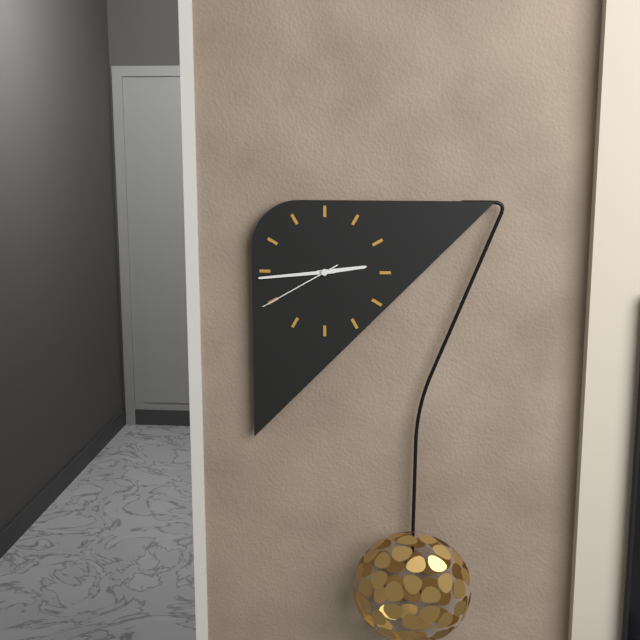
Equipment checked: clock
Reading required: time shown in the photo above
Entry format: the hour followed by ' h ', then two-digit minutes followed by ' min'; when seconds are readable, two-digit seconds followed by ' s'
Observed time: 2 h 44 min 40 s
